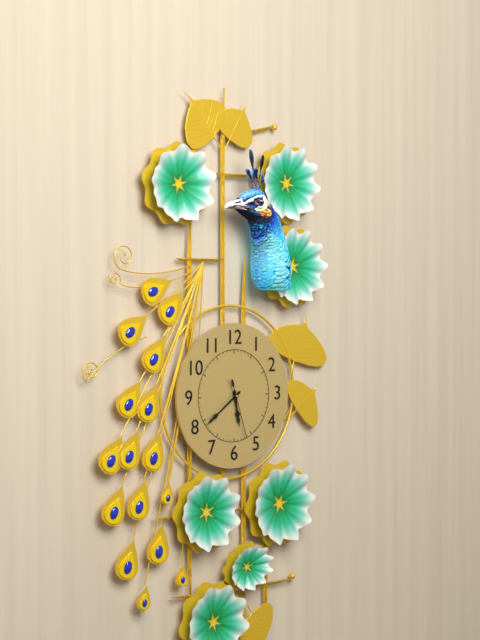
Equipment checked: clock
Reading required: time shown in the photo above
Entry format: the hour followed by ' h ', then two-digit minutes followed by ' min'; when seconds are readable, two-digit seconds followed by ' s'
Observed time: 5 h 39 min 27 s
